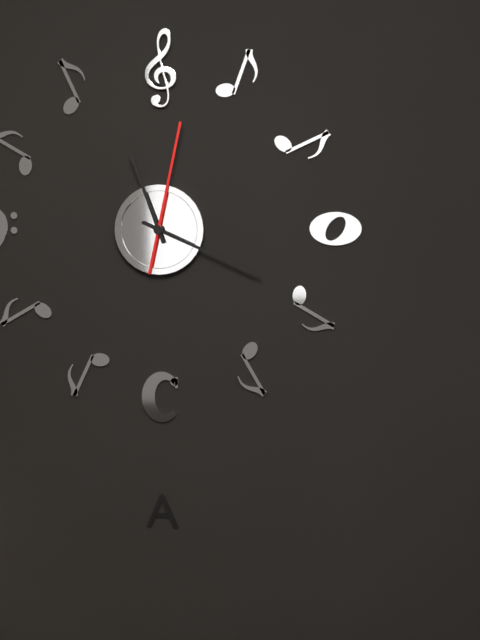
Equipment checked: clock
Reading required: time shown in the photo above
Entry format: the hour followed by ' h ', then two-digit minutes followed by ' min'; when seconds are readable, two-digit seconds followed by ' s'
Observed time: 11 h 19 min 02 s
